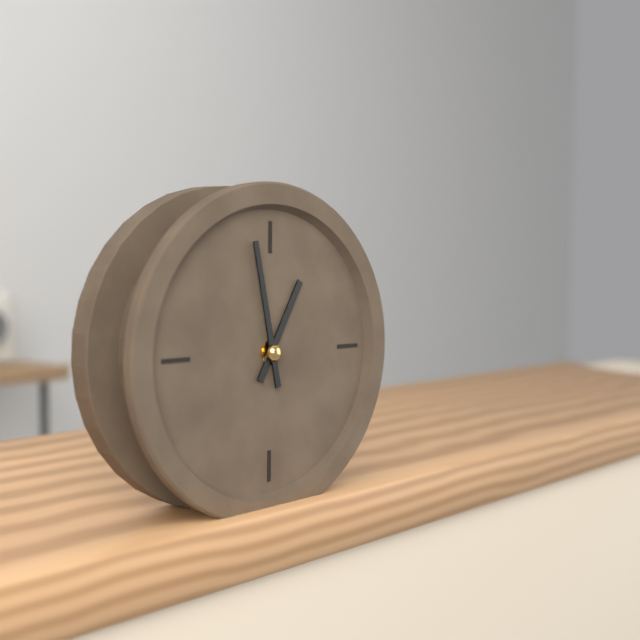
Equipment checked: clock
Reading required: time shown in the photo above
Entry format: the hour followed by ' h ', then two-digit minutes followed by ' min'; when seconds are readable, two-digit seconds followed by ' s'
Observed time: 12 h 58 min
